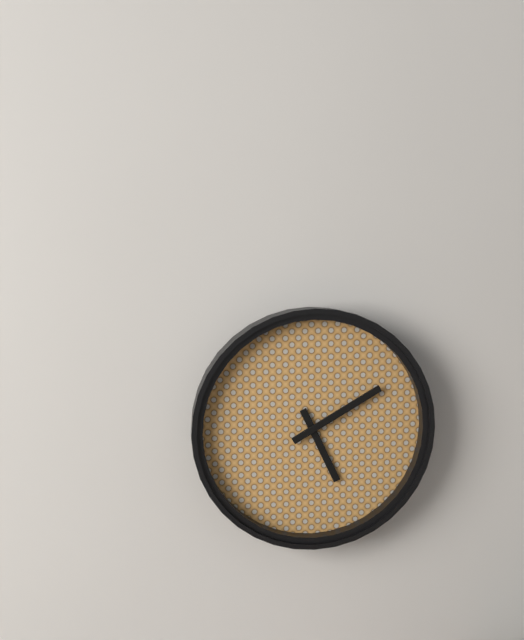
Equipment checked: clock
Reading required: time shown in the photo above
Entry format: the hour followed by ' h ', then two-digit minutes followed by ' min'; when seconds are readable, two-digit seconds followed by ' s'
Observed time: 5 h 10 min
